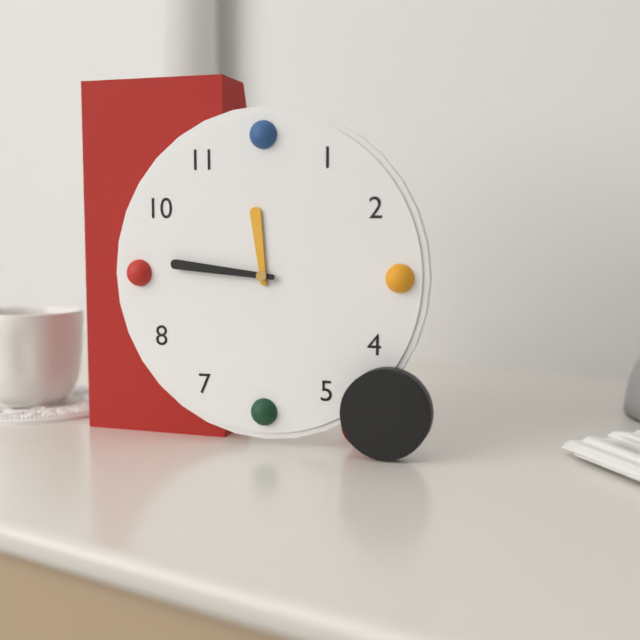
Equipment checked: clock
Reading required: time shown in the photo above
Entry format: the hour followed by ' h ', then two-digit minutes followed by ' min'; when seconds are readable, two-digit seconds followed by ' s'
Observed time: 11 h 46 min
